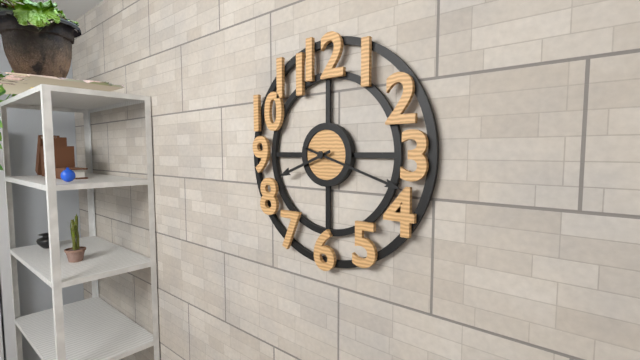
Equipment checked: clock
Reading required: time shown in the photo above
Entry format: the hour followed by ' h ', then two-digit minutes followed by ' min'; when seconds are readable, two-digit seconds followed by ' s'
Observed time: 8 h 18 min
